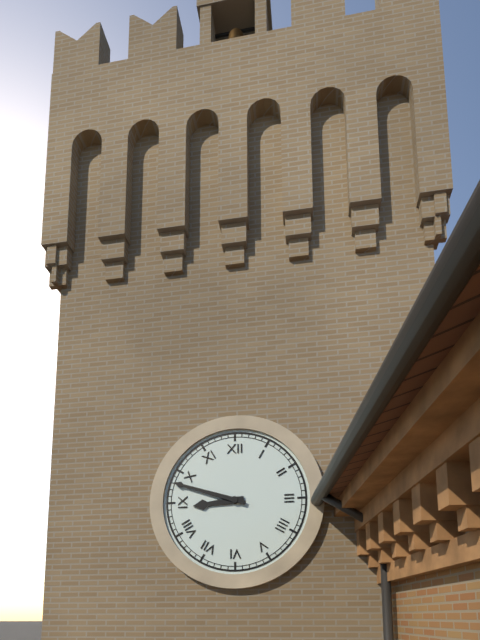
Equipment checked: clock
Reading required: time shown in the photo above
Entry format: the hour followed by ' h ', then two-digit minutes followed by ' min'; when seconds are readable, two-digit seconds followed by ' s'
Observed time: 8 h 48 min
